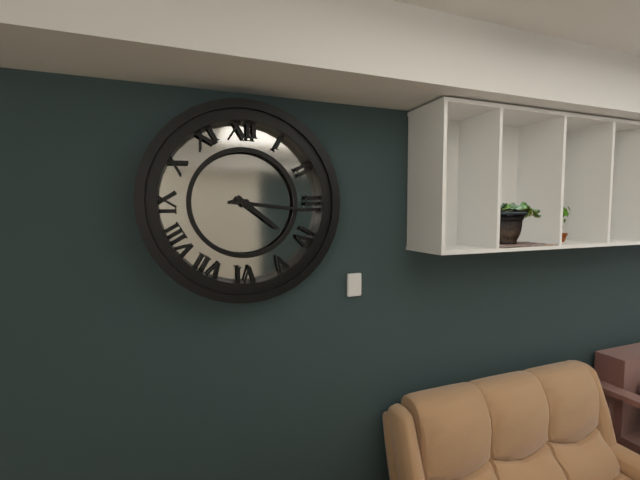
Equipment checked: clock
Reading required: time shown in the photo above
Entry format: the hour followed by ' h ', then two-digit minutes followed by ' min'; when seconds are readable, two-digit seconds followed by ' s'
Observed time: 4 h 16 min
